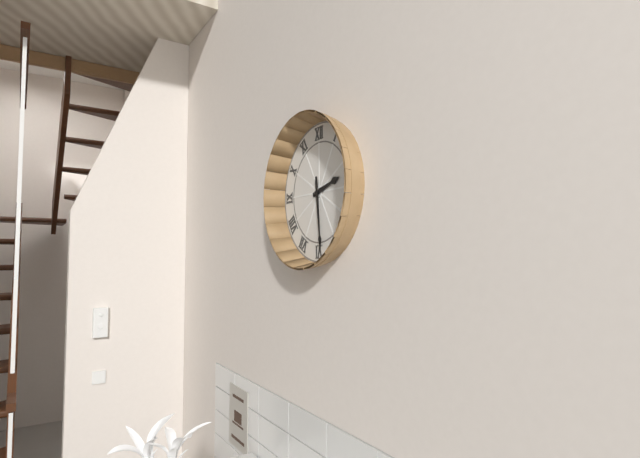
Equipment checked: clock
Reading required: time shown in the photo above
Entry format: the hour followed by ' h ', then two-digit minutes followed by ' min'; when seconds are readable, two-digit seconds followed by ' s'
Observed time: 2 h 29 min
